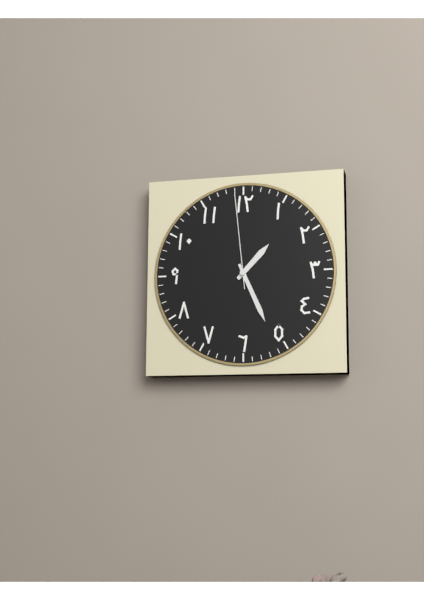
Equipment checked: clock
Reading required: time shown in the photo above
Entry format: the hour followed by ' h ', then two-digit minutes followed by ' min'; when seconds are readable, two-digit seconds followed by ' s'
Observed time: 1 h 26 min 59 s
